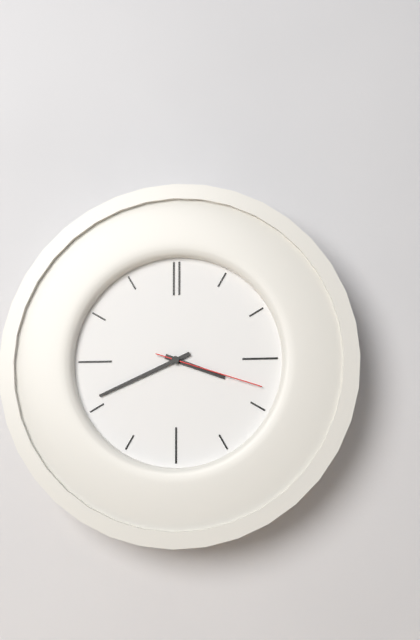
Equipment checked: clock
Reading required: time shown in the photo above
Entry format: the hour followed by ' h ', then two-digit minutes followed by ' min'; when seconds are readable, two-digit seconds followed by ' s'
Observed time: 3 h 41 min 18 s
